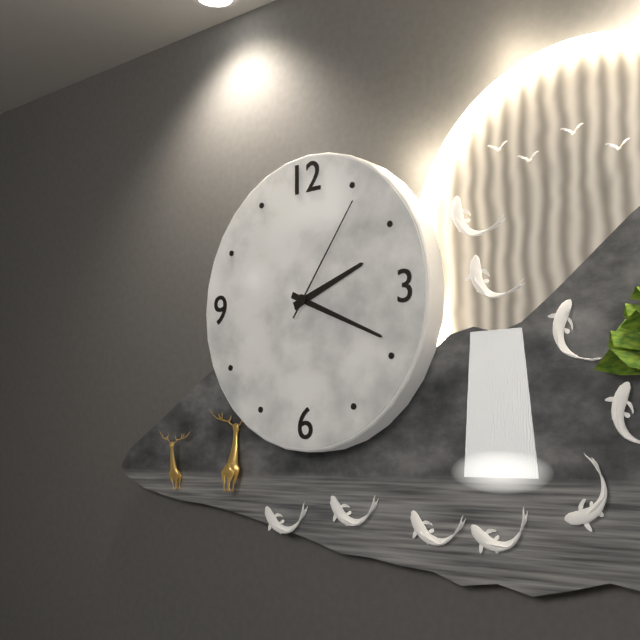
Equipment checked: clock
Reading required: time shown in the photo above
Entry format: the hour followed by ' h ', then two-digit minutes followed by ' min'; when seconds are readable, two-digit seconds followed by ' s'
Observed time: 2 h 19 min 06 s
